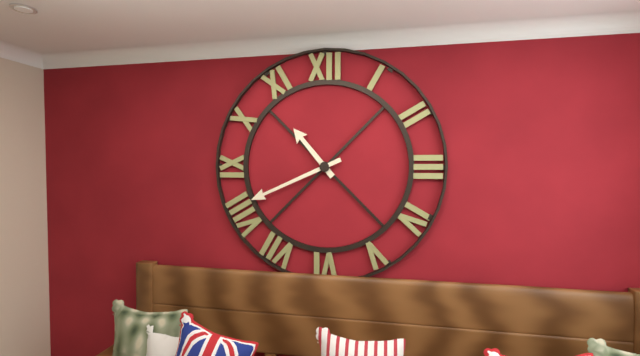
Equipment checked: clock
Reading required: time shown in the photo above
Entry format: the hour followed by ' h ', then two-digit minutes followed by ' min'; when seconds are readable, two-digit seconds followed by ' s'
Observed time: 10 h 41 min
